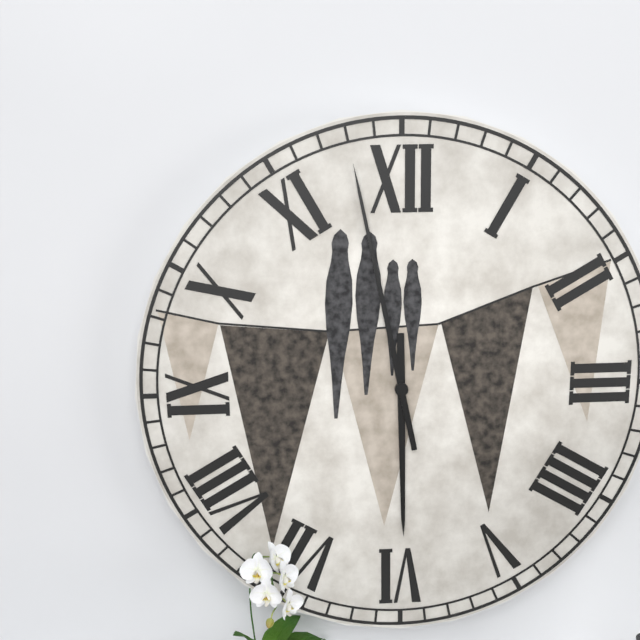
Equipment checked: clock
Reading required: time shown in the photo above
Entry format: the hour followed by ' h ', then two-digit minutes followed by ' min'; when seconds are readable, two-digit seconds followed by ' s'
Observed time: 5 h 58 min
